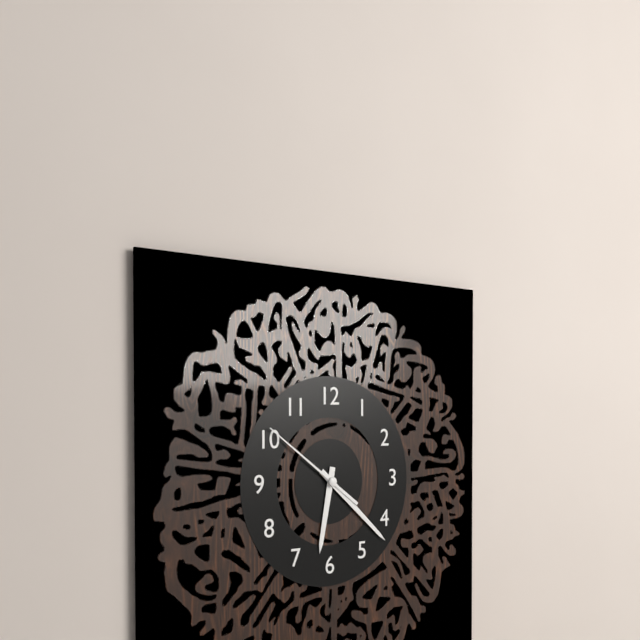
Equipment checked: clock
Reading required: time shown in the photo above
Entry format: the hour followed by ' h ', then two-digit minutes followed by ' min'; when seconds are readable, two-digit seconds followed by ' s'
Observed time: 6 h 22 min 51 s
